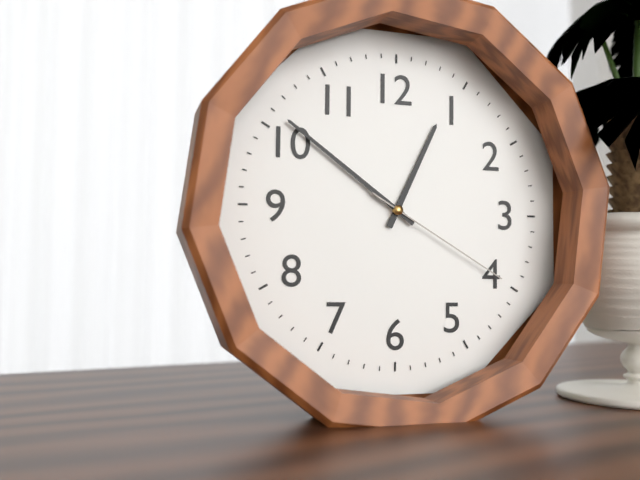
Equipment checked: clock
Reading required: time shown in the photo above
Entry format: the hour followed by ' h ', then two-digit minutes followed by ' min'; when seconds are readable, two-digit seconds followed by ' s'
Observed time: 12 h 51 min 20 s
